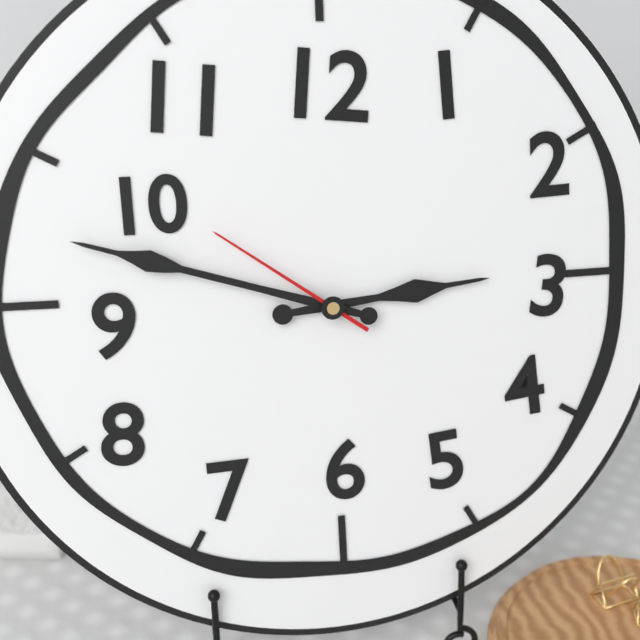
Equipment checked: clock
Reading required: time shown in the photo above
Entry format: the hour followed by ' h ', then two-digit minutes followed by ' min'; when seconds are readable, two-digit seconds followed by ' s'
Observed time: 2 h 48 min 51 s
